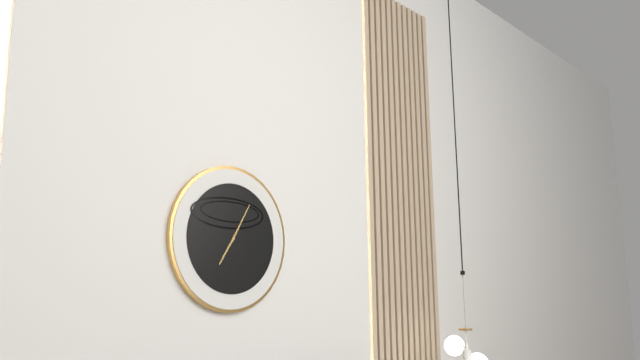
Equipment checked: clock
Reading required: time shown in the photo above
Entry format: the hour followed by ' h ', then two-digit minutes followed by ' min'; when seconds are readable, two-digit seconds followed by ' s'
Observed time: 7 h 05 min
